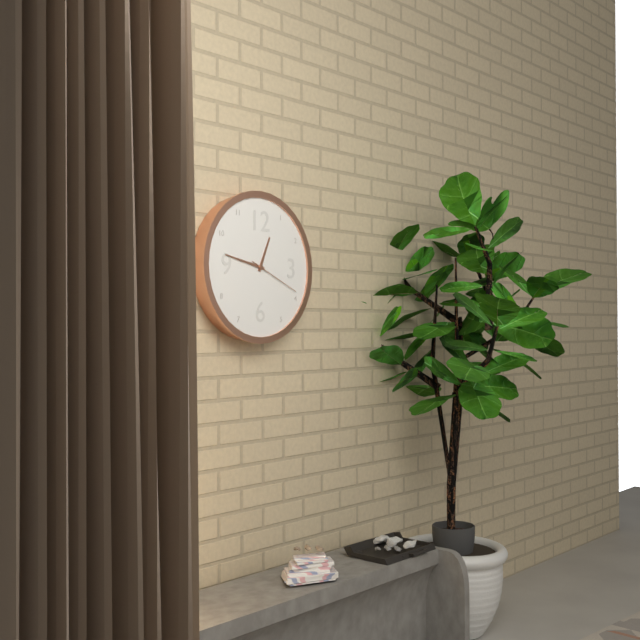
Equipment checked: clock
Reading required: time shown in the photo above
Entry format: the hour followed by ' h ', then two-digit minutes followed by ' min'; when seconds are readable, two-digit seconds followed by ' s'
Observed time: 12 h 47 min 19 s
